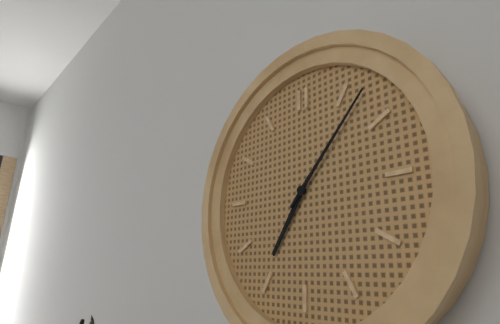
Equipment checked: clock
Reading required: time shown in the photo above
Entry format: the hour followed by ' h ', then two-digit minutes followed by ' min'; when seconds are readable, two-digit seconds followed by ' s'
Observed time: 7 h 07 min
